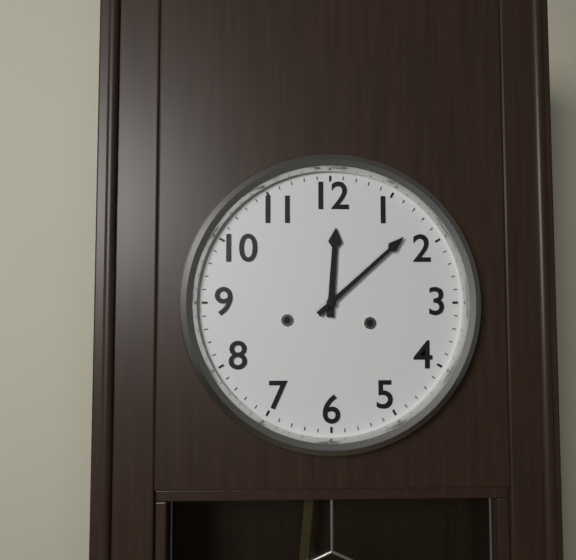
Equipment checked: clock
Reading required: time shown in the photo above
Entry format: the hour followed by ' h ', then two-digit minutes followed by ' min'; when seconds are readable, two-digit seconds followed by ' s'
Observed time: 12 h 08 min
